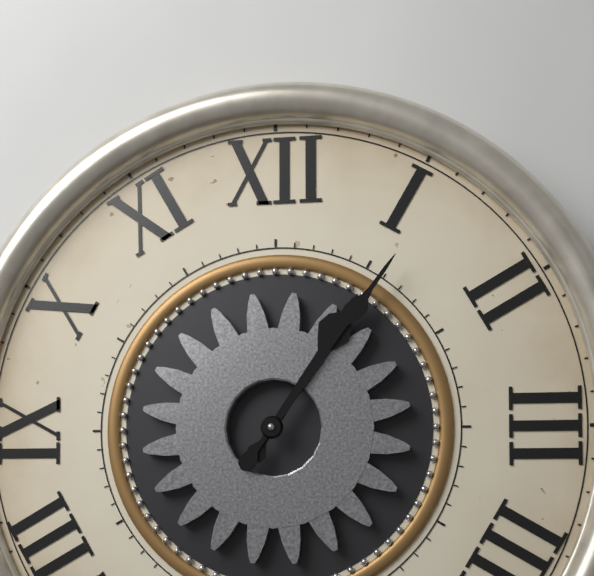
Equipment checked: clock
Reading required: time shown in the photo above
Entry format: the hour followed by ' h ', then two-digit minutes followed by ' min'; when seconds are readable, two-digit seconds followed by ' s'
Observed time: 1 h 06 min
